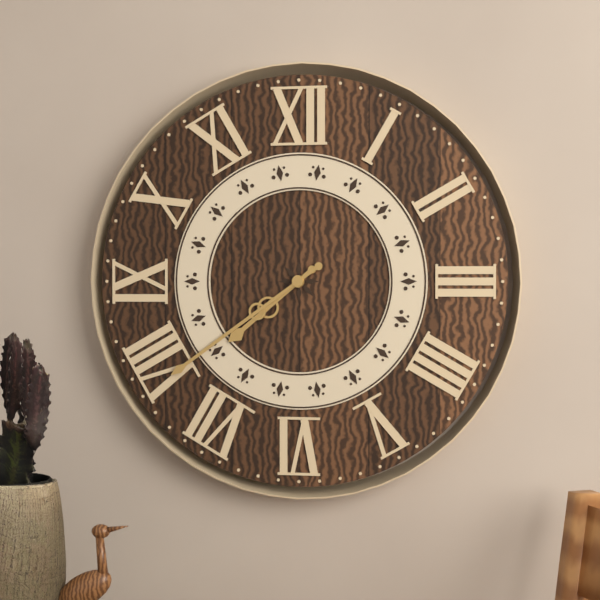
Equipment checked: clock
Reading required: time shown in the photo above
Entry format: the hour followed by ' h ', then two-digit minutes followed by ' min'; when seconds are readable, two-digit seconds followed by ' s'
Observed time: 7 h 39 min
